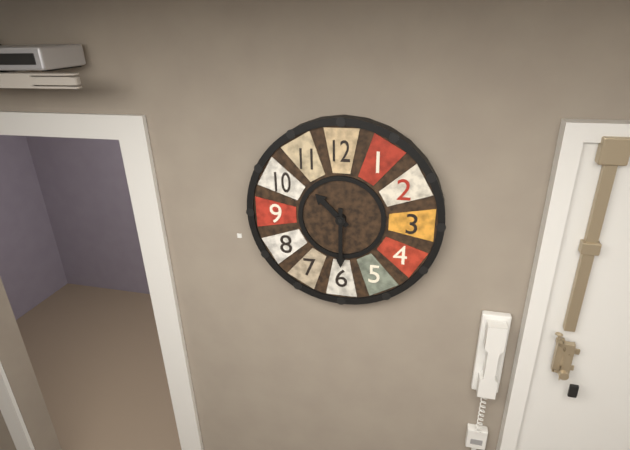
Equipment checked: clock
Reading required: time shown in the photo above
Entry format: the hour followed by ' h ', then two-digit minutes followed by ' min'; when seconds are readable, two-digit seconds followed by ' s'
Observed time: 10 h 30 min
